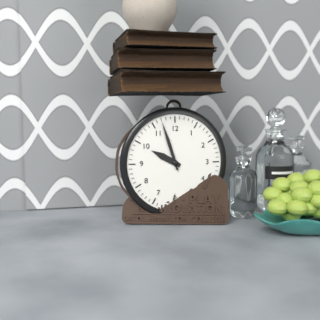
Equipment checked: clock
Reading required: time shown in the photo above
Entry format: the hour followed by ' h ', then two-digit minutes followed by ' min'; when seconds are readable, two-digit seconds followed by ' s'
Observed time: 9 h 57 min
